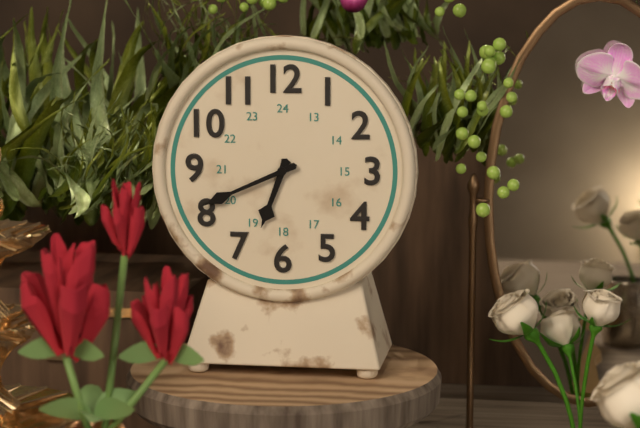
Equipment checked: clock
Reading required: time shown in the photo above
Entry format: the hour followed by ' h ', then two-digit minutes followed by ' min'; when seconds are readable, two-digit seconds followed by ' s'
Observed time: 6 h 41 min
